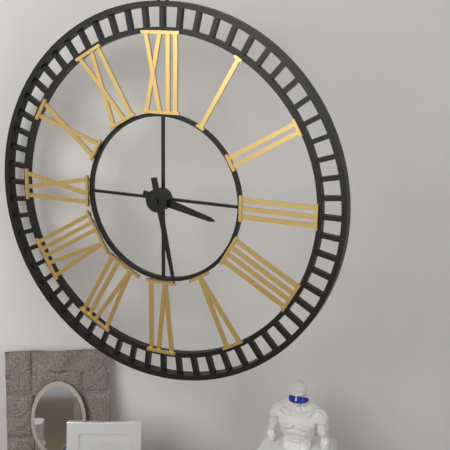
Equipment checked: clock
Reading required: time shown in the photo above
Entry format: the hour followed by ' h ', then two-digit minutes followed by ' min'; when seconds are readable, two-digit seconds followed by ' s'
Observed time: 3 h 28 min
